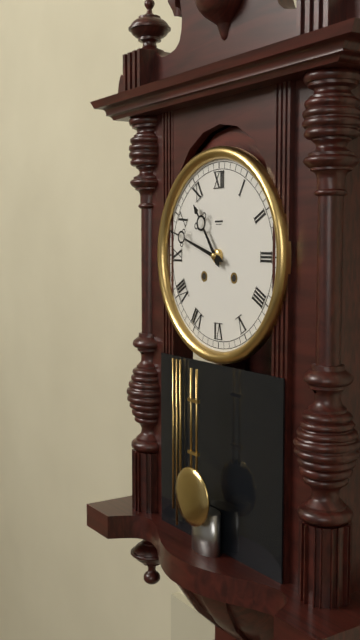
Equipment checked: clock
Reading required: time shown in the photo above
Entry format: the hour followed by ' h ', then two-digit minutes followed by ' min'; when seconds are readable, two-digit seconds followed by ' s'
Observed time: 10 h 48 min
